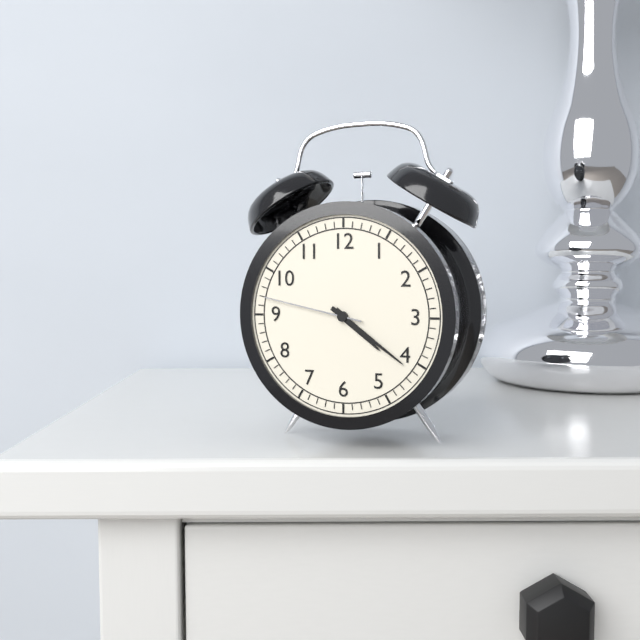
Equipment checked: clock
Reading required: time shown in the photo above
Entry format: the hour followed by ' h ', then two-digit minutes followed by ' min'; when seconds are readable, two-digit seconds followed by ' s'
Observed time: 4 h 21 min 47 s
